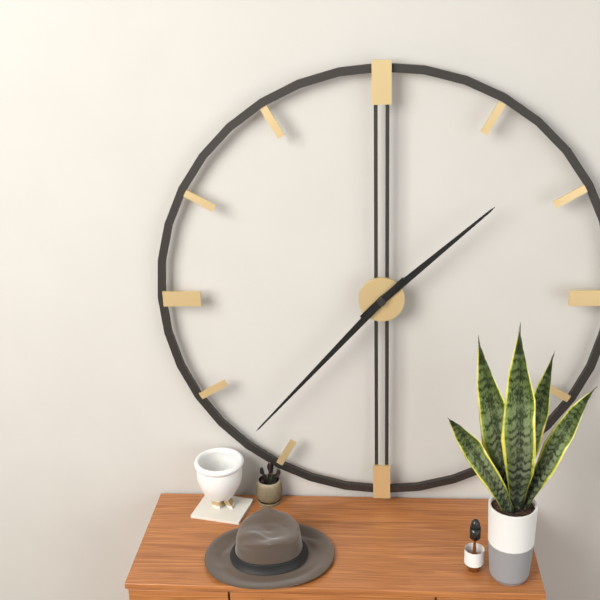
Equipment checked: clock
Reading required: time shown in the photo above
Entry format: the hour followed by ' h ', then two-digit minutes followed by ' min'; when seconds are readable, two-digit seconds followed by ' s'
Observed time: 1 h 37 min
